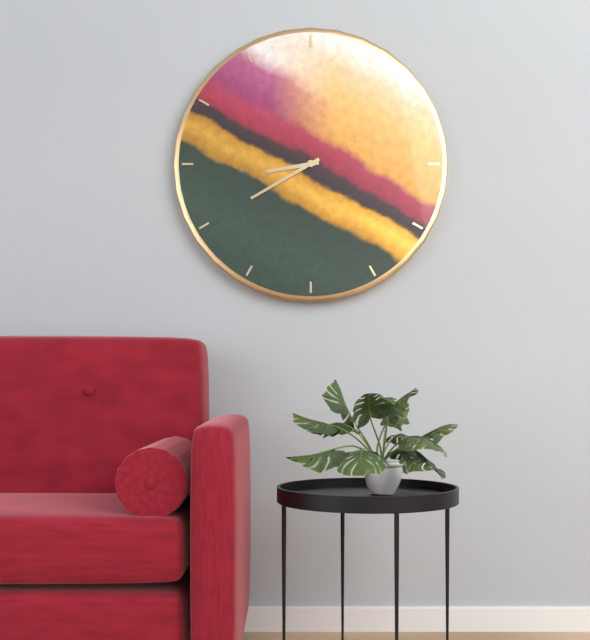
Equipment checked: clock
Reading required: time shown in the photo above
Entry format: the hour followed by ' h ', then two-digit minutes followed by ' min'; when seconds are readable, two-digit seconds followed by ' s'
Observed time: 8 h 40 min
